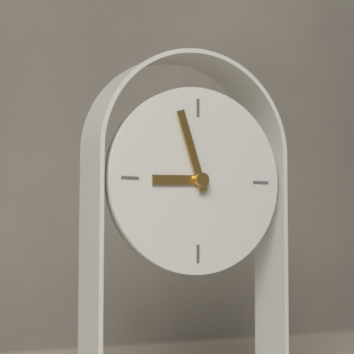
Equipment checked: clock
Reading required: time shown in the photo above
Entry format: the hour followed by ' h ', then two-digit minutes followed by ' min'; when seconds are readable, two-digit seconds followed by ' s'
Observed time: 8 h 57 min
